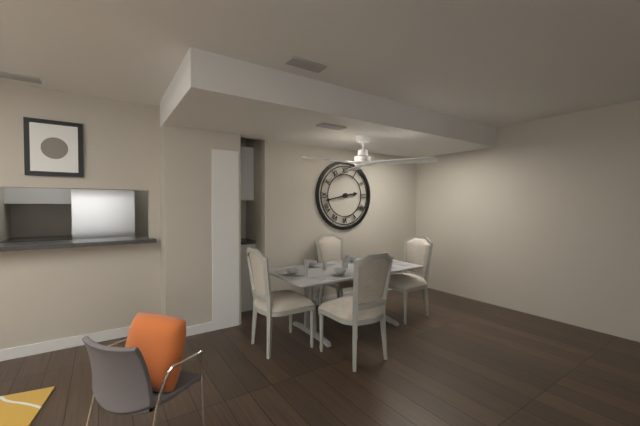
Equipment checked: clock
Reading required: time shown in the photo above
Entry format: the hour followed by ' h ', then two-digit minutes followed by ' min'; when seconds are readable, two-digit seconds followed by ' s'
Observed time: 2 h 43 min
